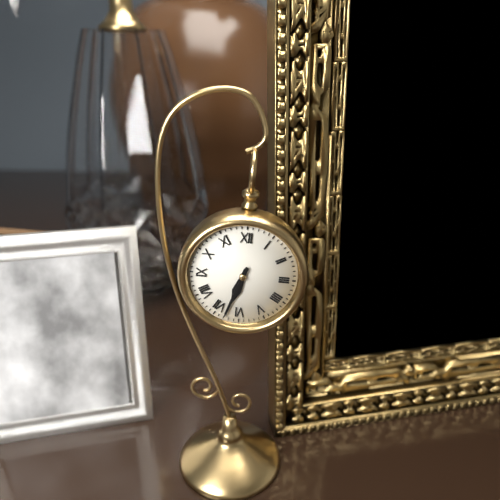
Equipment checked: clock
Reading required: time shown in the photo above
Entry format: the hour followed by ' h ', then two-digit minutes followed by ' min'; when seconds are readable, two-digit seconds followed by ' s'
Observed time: 6 h 33 min
